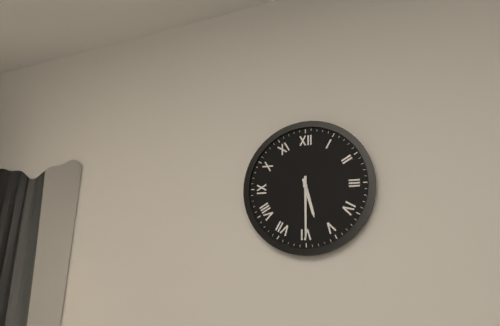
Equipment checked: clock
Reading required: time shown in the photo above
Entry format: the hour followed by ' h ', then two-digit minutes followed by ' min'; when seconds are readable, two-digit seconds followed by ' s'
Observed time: 5 h 30 min
